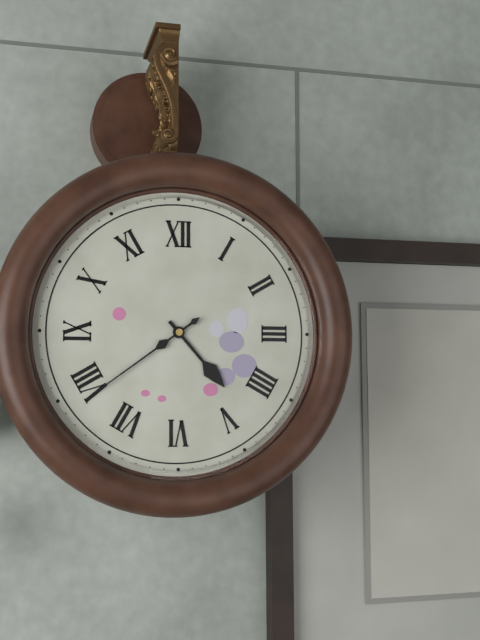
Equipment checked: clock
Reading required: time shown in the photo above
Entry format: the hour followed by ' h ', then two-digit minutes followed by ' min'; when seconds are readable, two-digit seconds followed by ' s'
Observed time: 4 h 39 min
